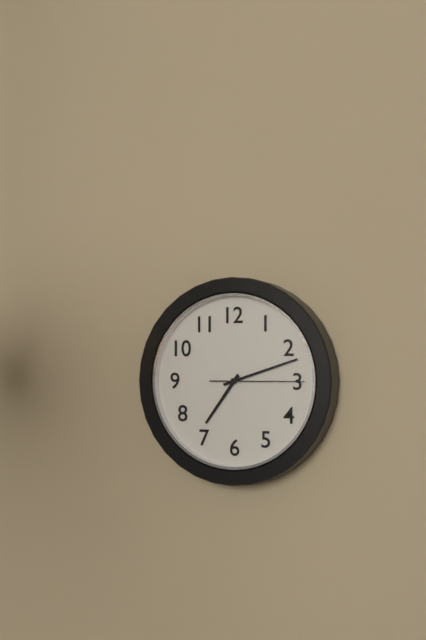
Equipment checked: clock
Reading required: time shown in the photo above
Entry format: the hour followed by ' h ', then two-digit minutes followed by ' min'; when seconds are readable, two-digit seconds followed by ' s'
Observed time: 7 h 12 min 15 s
